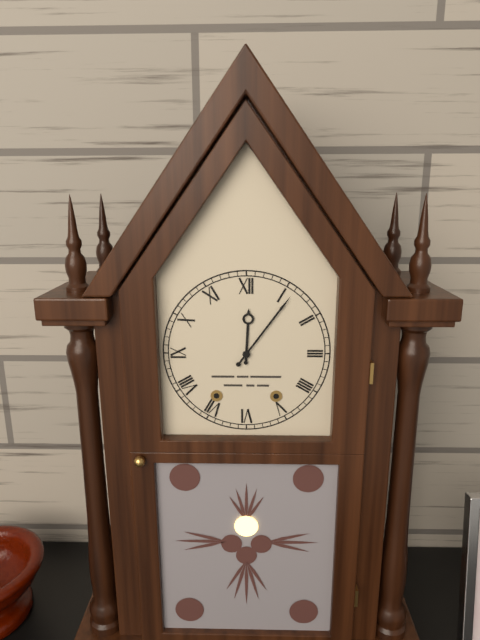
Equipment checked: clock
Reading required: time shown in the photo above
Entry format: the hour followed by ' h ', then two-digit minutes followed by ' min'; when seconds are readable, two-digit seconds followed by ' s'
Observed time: 12 h 06 min
